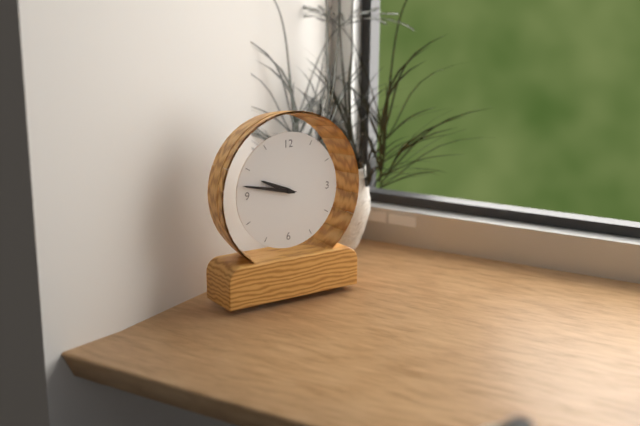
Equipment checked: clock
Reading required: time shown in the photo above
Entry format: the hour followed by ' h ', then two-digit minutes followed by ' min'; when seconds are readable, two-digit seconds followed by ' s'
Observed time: 9 h 47 min
